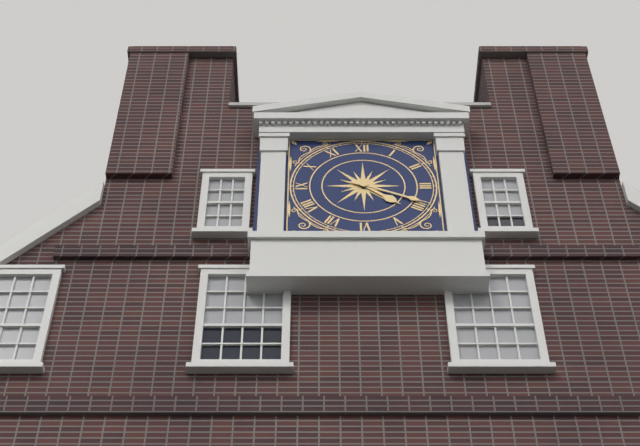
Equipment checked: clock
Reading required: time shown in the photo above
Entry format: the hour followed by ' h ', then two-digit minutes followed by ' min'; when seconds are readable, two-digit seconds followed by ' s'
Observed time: 4 h 19 min
